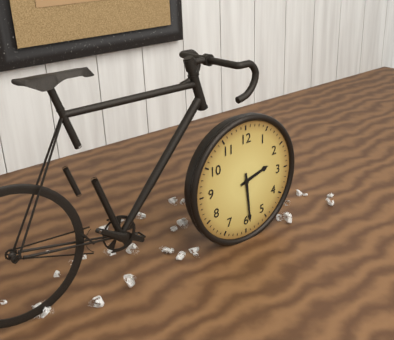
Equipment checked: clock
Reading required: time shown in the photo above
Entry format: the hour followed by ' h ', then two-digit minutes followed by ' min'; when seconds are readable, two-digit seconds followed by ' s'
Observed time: 2 h 29 min
